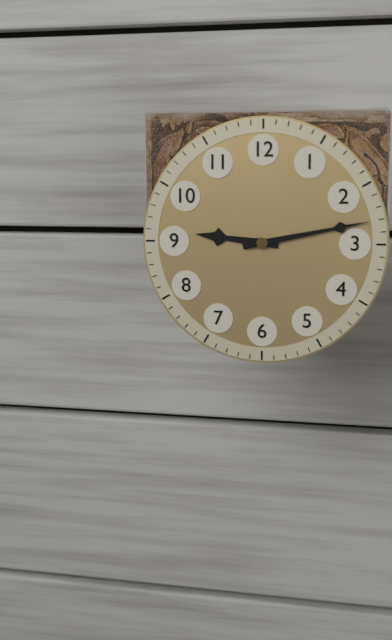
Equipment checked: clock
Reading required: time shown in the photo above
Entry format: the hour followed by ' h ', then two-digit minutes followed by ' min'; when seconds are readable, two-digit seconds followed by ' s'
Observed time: 9 h 13 min
